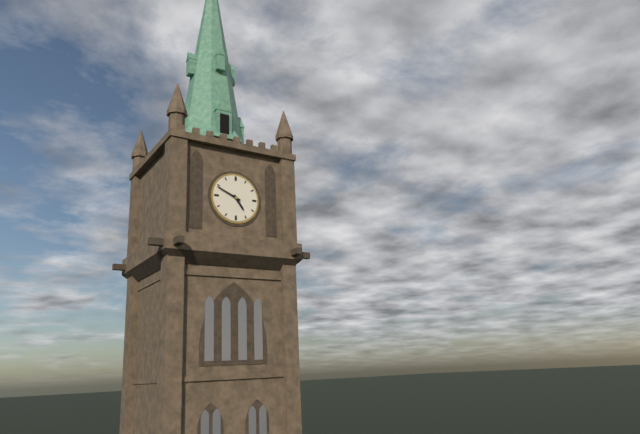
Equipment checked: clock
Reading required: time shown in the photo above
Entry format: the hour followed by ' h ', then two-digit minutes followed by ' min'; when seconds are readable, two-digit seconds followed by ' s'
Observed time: 4 h 49 min
